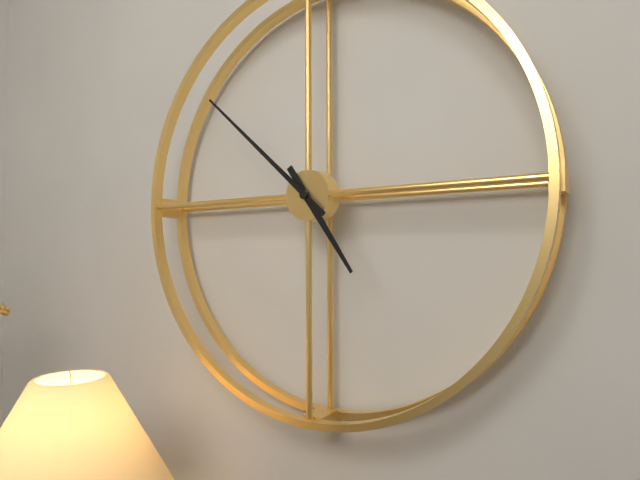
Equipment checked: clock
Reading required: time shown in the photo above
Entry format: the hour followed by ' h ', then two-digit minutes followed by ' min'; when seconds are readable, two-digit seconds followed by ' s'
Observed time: 4 h 52 min
